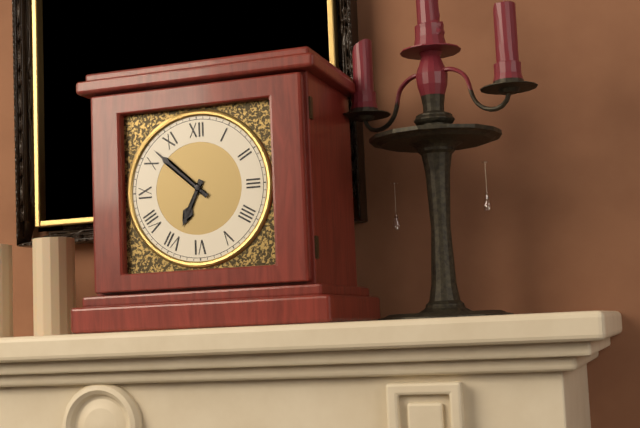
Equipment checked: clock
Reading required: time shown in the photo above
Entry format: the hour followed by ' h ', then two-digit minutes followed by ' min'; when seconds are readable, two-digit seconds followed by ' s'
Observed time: 6 h 52 min
